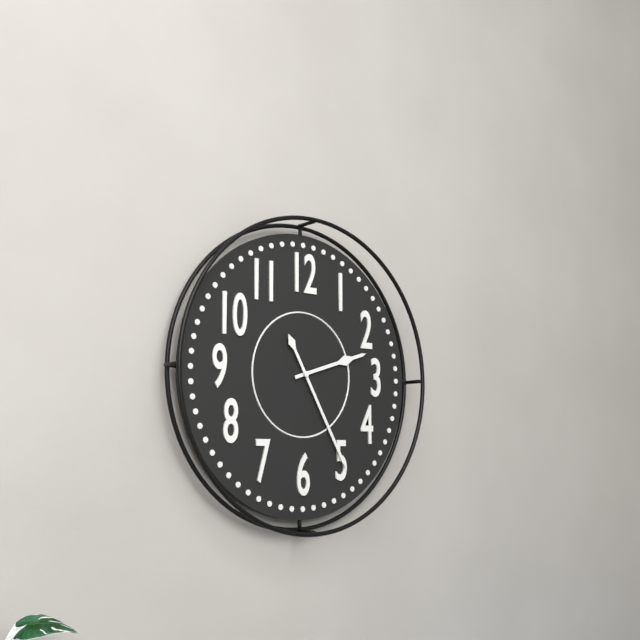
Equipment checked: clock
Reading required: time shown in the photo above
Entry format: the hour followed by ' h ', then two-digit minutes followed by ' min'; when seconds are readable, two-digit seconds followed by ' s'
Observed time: 2 h 25 min
